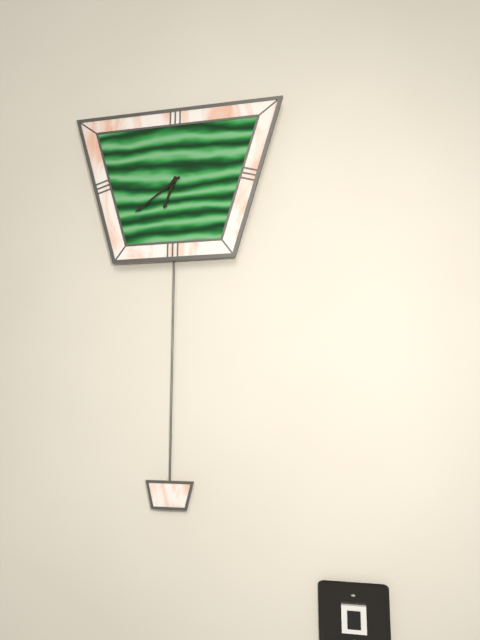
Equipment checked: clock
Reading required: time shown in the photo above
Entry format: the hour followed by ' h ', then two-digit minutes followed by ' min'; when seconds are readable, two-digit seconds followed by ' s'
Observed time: 6 h 39 min
